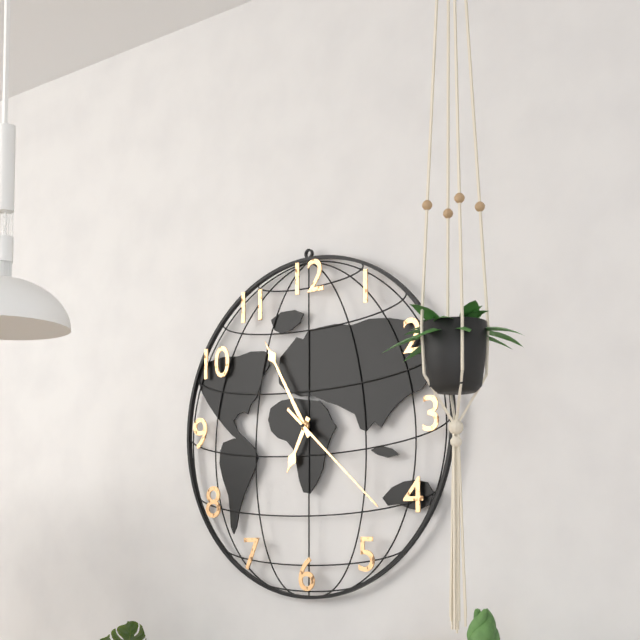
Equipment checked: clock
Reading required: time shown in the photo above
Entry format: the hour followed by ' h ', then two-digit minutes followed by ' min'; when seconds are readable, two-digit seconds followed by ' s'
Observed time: 6 h 55 min 22 s
